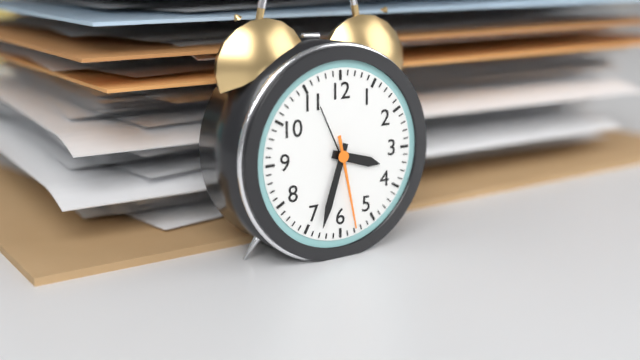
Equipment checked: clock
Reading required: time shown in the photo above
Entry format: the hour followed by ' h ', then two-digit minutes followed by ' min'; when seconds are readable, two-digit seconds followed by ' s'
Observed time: 3 h 33 min 28 s
